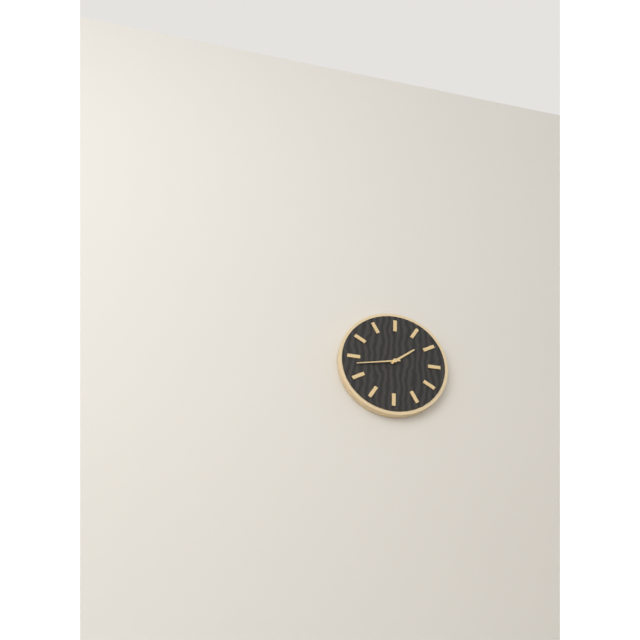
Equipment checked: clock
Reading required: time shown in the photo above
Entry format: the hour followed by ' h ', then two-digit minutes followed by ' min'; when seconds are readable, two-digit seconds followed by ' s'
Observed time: 1 h 43 min
